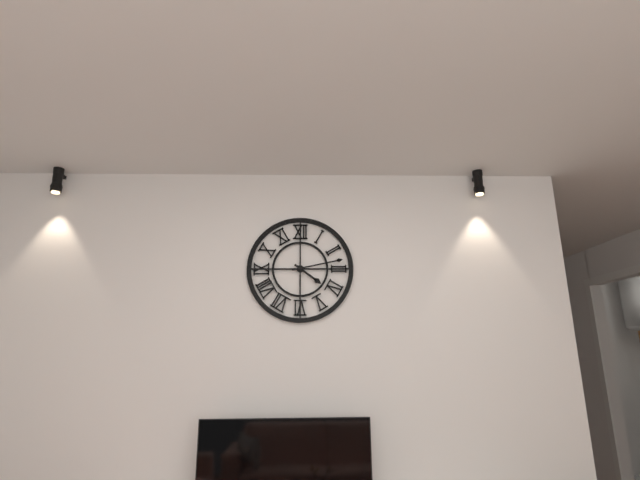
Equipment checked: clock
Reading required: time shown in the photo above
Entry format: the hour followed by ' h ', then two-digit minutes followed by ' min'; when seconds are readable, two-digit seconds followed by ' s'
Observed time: 4 h 13 min
